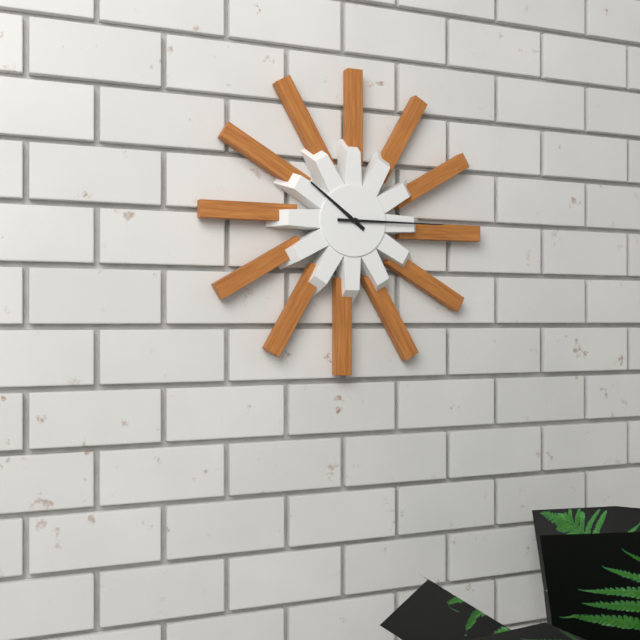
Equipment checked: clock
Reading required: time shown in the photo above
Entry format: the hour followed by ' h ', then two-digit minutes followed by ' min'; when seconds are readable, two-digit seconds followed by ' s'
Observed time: 10 h 15 min
